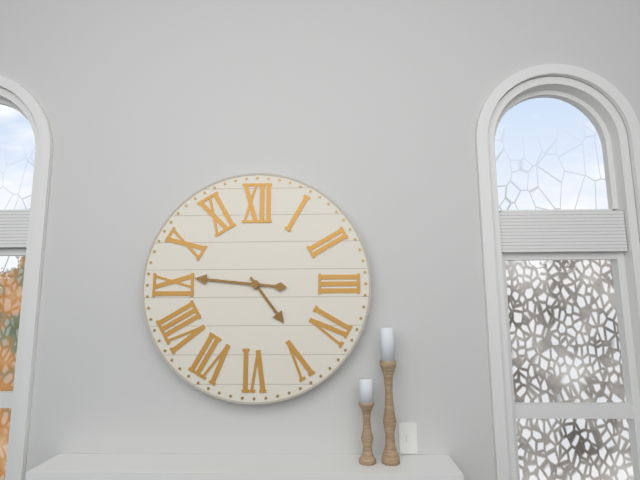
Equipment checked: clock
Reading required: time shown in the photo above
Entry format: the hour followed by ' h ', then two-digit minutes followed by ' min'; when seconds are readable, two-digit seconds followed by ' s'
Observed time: 4 h 46 min
